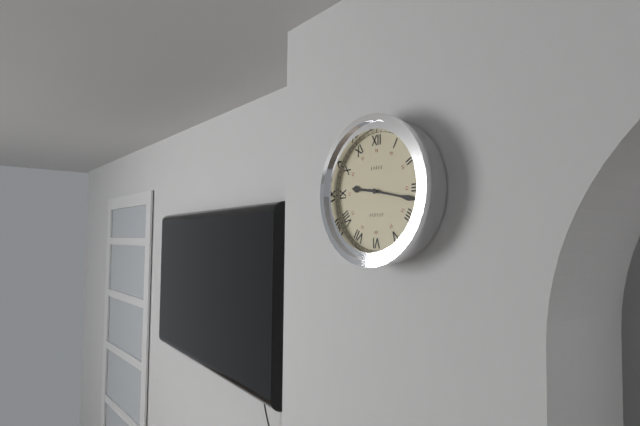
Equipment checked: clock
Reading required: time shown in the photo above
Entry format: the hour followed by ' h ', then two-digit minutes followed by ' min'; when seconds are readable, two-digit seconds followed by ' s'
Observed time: 9 h 17 min
